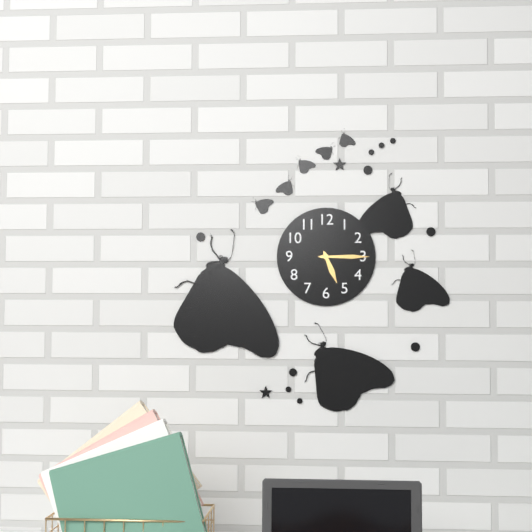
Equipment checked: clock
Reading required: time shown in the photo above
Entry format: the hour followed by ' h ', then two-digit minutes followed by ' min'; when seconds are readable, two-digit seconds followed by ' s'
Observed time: 5 h 15 min
